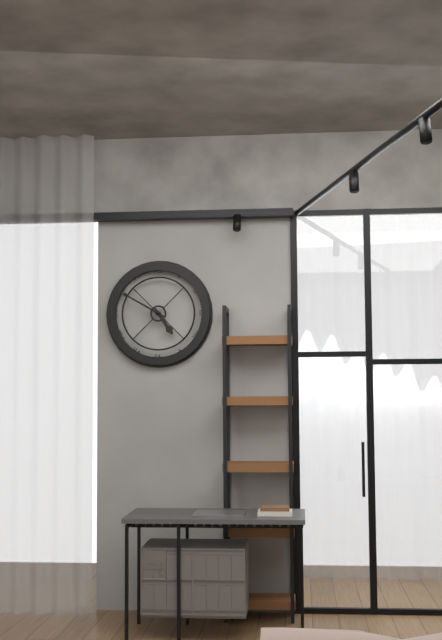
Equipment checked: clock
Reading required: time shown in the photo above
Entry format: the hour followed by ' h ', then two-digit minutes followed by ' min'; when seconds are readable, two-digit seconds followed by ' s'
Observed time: 4 h 50 min
